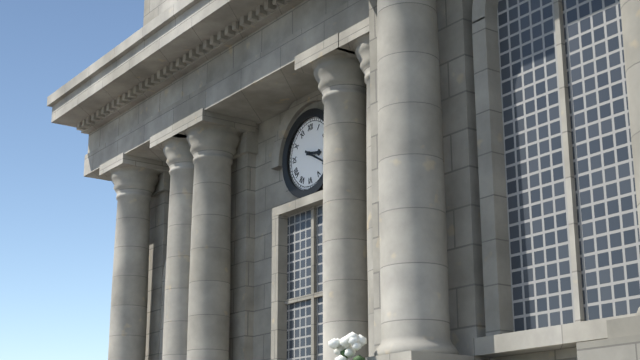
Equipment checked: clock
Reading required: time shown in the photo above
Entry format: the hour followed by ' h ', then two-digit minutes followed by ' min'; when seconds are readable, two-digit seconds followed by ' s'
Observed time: 3 h 20 min
